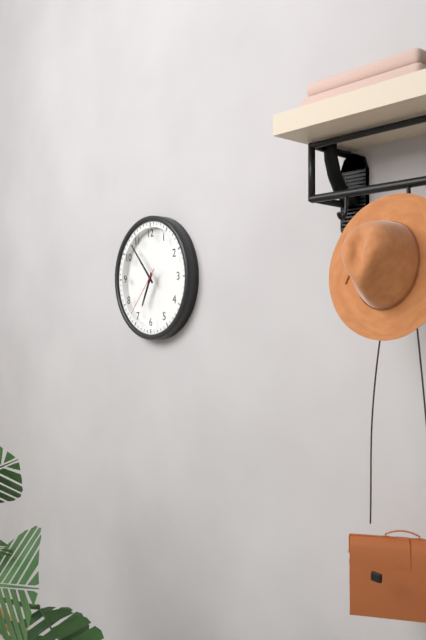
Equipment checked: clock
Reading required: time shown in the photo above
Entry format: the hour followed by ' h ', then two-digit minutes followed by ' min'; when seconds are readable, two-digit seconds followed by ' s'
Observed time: 6 h 53 min 37 s
